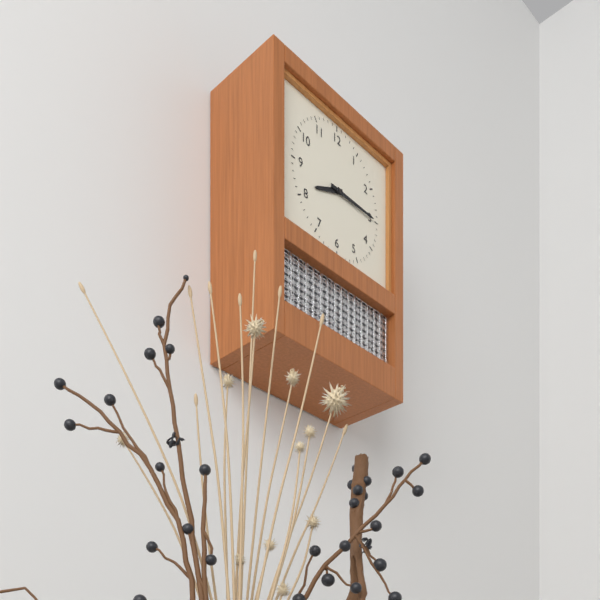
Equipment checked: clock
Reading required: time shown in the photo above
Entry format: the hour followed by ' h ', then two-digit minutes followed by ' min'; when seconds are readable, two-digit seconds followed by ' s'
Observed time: 8 h 15 min
